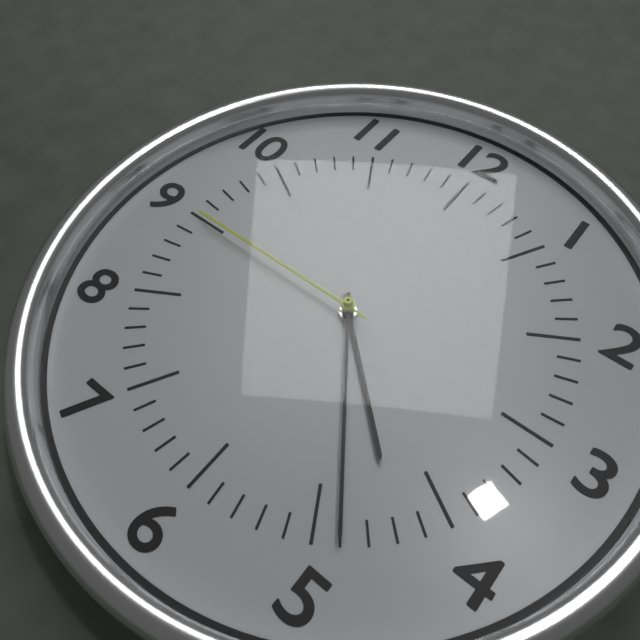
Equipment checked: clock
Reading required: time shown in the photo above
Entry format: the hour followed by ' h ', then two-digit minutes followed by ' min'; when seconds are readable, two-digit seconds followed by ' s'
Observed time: 4 h 24 min 45 s
